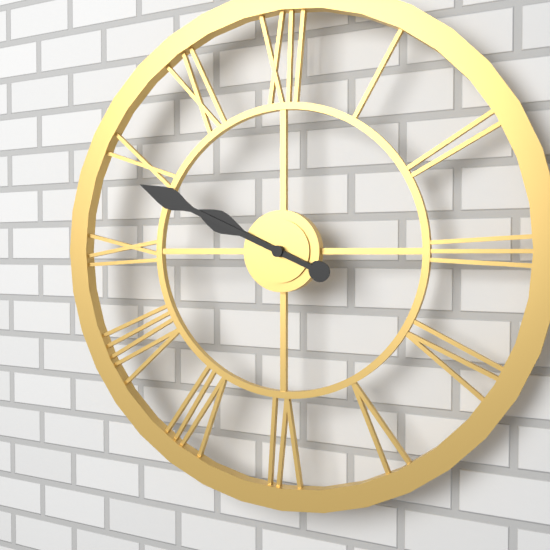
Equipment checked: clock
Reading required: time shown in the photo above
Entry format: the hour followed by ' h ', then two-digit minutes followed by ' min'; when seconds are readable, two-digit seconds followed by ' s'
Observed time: 9 h 49 min
